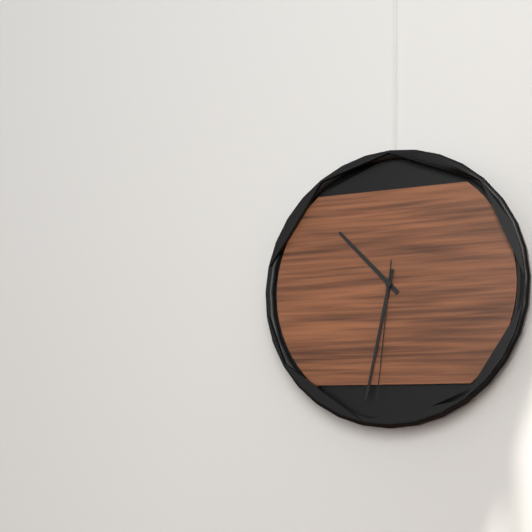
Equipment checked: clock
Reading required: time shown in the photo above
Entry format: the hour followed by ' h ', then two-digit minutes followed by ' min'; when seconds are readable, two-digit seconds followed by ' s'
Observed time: 10 h 32 min 31 s
